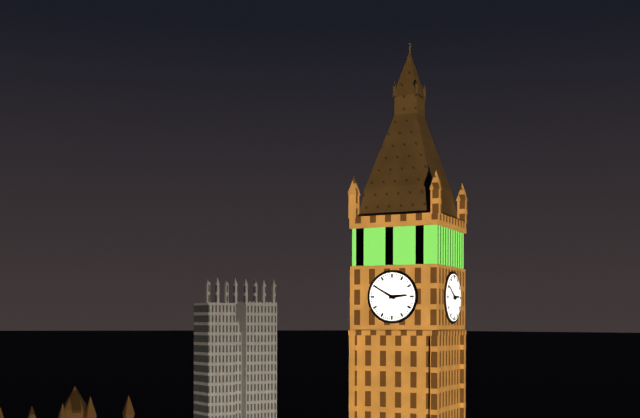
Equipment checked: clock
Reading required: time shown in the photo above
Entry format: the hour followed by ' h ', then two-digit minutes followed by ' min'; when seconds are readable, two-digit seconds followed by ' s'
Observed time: 2 h 50 min
